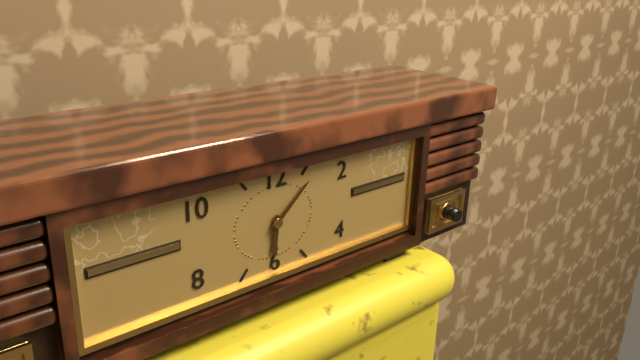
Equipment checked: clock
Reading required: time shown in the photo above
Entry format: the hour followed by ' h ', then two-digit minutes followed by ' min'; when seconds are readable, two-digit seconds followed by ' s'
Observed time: 6 h 08 min
